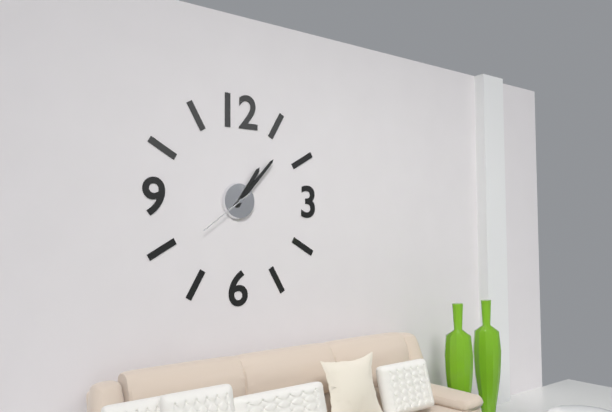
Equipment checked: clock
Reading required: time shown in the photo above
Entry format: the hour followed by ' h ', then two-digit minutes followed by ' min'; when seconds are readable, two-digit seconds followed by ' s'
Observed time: 1 h 07 min 39 s
